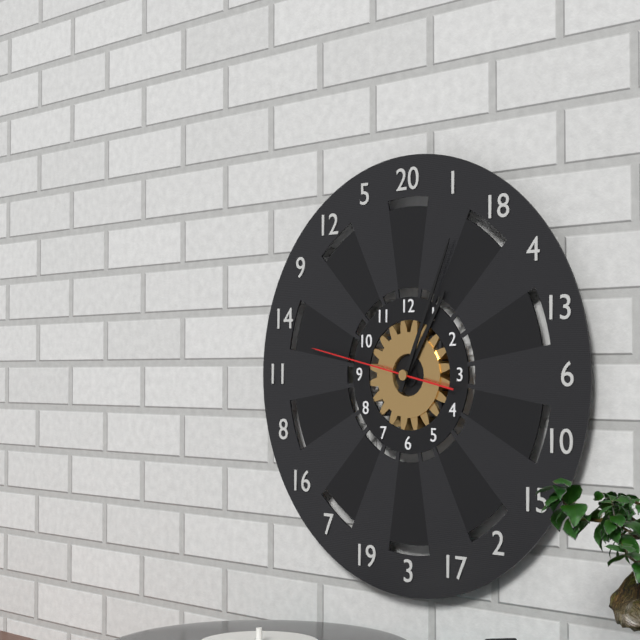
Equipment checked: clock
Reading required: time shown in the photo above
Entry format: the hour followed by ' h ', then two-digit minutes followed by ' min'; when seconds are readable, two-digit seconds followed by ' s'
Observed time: 1 h 04 min 47 s
